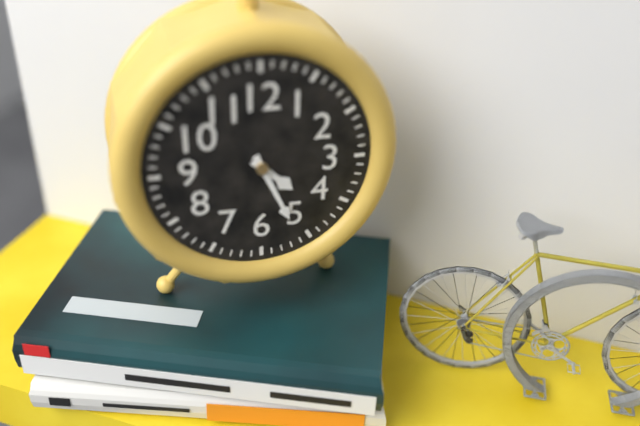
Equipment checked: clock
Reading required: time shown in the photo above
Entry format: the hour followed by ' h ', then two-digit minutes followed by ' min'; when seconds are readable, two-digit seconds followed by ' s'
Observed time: 4 h 26 min
